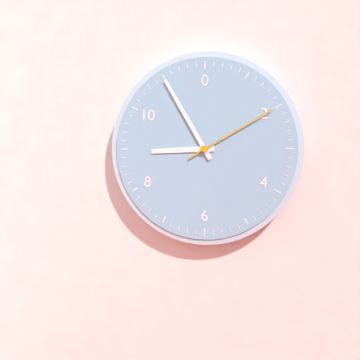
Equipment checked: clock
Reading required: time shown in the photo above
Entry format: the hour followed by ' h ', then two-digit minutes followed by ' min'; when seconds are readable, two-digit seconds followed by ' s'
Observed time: 8 h 55 min 10 s
